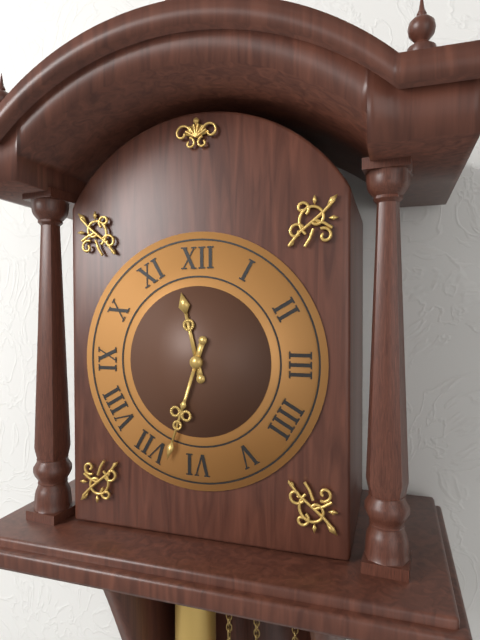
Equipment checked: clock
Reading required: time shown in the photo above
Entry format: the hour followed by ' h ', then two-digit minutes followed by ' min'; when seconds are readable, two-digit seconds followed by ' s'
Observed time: 11 h 33 min
